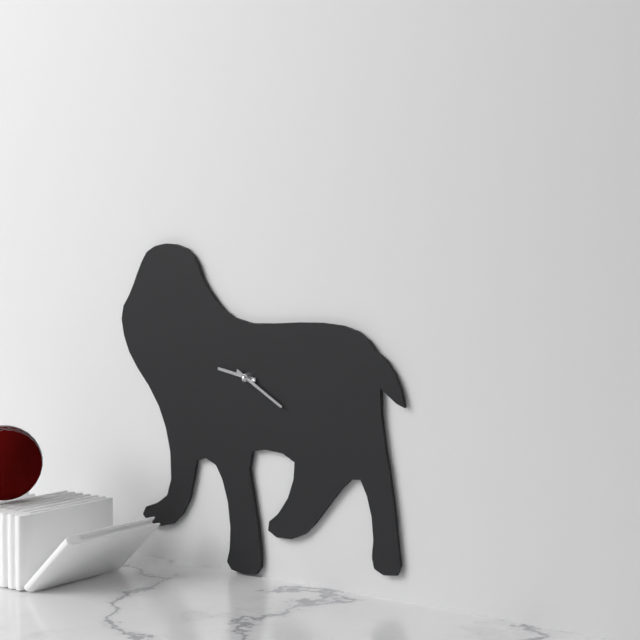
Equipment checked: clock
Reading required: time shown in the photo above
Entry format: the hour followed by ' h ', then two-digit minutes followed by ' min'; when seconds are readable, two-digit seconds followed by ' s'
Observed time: 9 h 20 min
